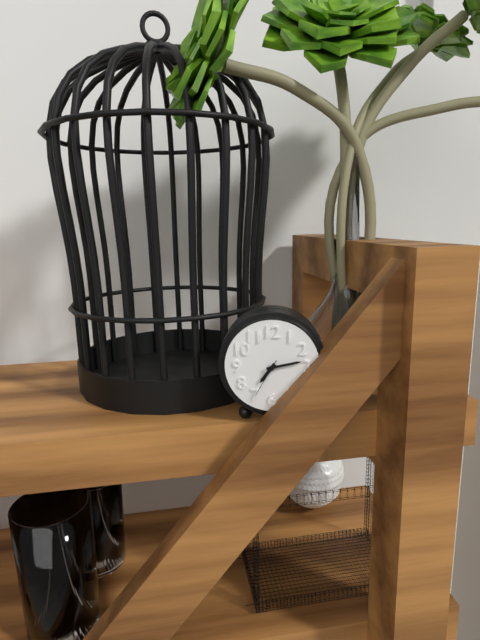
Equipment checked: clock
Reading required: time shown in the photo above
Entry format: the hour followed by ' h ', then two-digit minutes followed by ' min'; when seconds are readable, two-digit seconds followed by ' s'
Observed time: 7 h 13 min
